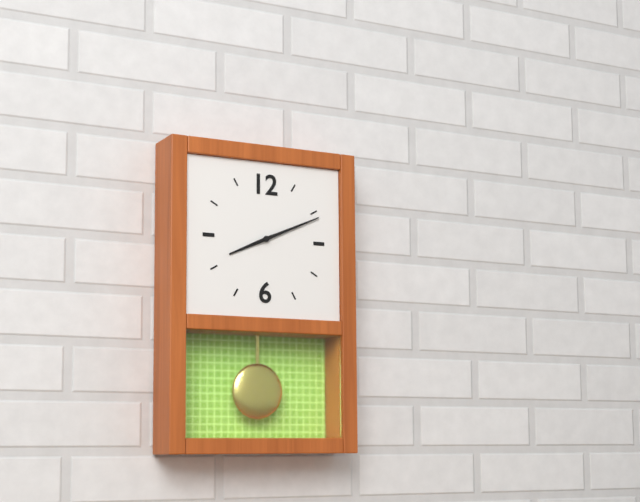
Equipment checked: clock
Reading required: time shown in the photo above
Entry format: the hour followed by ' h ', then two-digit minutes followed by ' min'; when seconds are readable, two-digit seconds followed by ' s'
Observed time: 8 h 11 min
